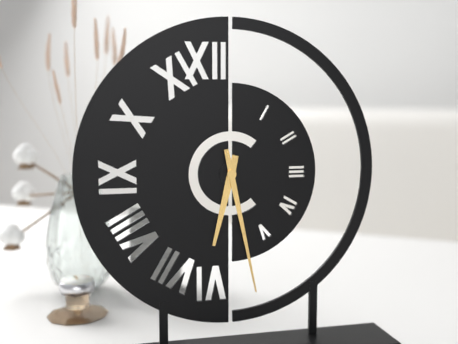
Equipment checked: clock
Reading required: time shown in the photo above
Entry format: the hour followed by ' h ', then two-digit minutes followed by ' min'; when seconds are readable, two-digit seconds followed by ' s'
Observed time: 6 h 28 min
